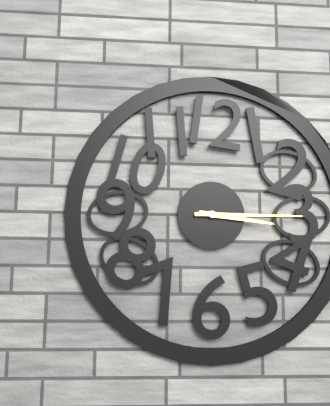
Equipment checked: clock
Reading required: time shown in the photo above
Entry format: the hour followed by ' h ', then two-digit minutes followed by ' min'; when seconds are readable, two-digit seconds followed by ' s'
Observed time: 3 h 15 min
